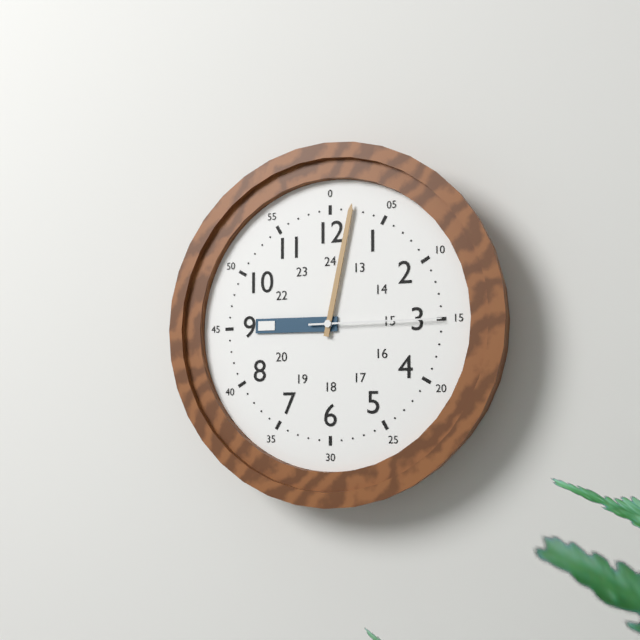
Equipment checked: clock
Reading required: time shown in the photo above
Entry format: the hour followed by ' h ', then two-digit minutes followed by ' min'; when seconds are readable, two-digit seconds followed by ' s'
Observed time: 9 h 02 min 15 s
